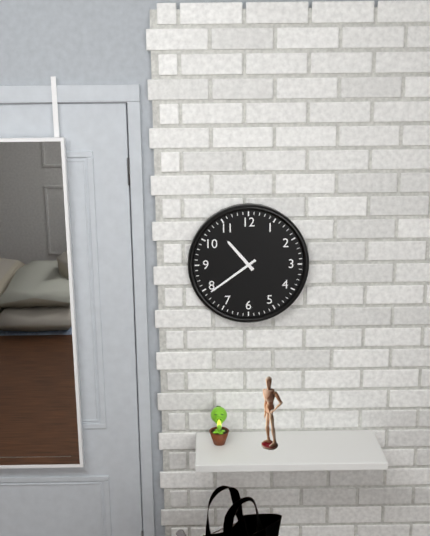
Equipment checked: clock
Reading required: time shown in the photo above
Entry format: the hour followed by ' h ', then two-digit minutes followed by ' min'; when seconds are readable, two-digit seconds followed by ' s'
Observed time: 10 h 39 min
